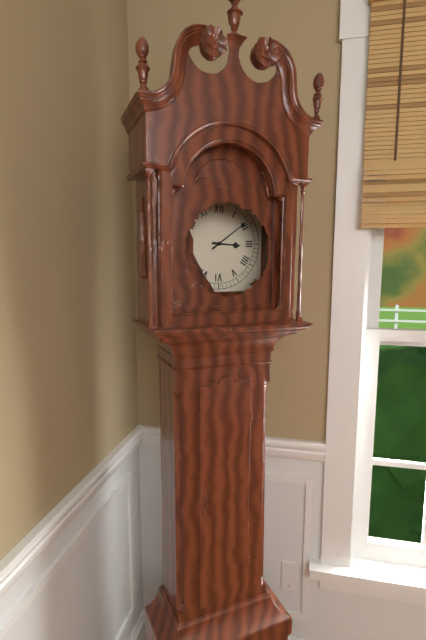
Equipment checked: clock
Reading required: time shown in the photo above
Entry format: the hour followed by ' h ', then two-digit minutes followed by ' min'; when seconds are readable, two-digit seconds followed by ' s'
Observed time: 3 h 09 min
